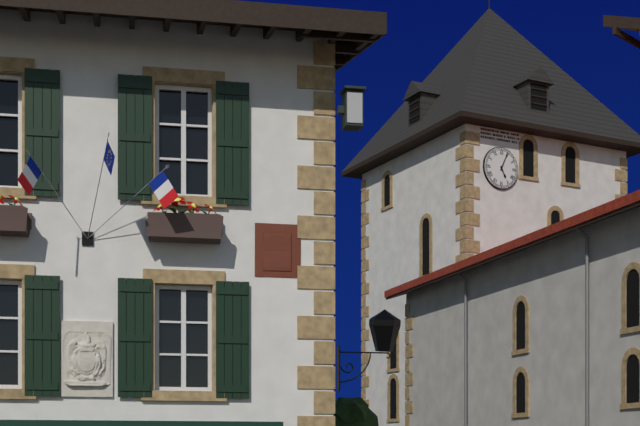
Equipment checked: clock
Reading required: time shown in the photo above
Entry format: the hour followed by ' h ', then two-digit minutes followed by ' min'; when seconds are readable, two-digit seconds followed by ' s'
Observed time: 5 h 04 min
